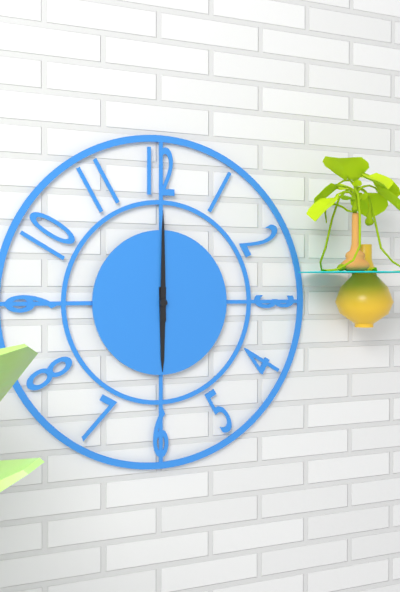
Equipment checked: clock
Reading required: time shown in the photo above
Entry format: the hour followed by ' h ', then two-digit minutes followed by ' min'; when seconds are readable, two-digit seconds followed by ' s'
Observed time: 6 h 00 min
